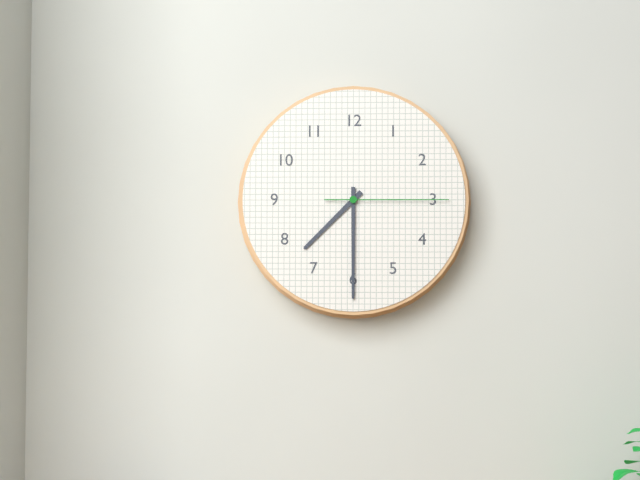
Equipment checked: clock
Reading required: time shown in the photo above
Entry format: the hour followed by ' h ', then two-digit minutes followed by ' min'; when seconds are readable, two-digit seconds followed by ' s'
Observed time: 7 h 30 min 15 s
